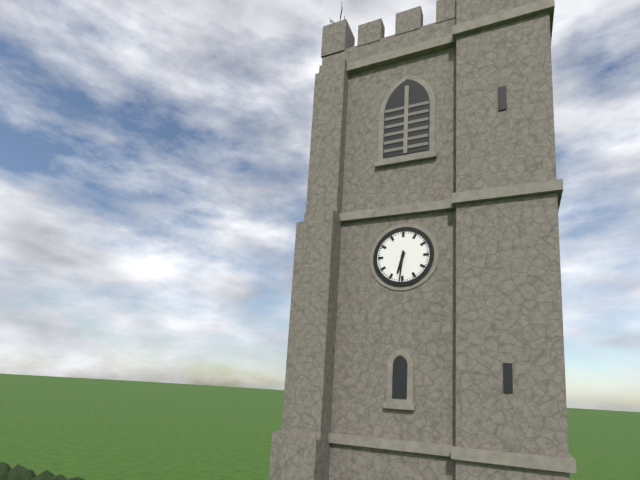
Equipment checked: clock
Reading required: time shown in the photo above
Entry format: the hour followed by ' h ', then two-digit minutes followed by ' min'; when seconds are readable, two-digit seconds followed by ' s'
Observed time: 6 h 31 min
